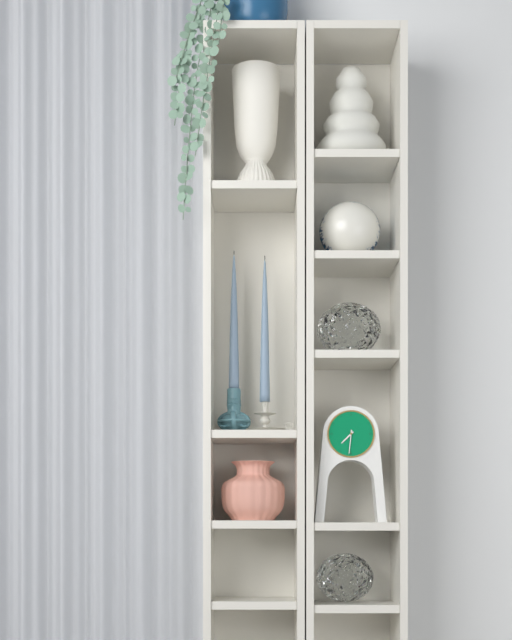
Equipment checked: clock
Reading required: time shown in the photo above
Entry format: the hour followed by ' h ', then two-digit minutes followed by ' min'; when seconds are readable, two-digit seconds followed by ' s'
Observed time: 7 h 31 min
